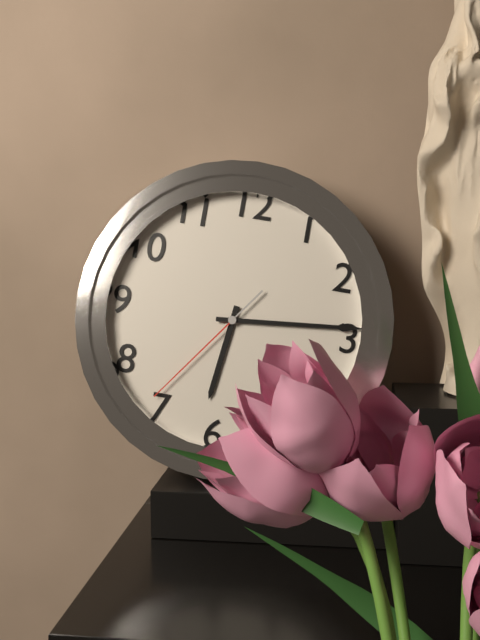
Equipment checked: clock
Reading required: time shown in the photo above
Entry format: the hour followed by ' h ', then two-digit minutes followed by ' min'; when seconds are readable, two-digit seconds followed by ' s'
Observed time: 6 h 14 min 36 s
